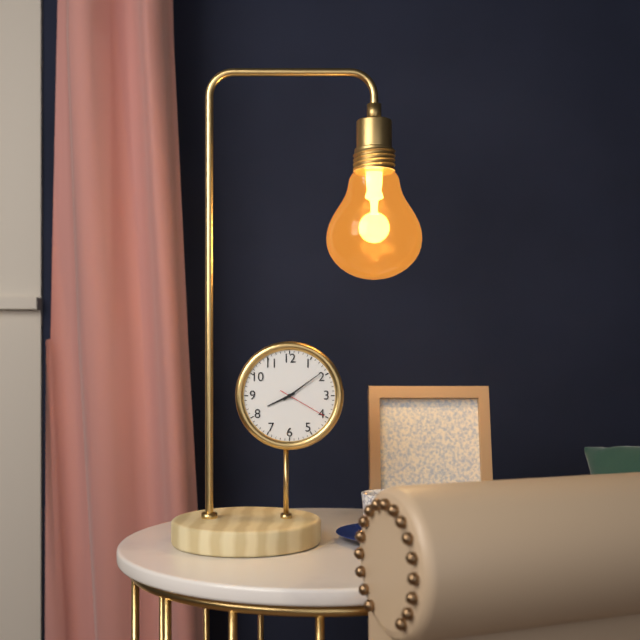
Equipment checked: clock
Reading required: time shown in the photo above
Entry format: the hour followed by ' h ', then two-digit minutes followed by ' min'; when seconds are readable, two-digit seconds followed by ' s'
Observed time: 8 h 09 min 20 s
